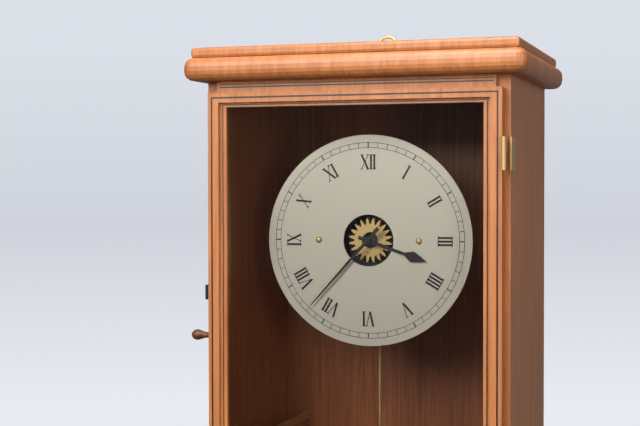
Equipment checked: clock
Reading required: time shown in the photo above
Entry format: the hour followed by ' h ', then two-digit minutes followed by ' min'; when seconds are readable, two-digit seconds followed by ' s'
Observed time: 3 h 37 min
